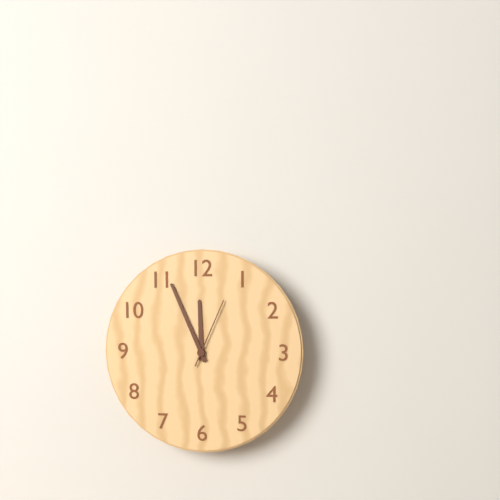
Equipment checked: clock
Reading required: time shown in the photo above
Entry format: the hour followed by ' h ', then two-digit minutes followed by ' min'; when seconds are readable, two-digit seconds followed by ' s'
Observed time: 11 h 56 min 04 s
